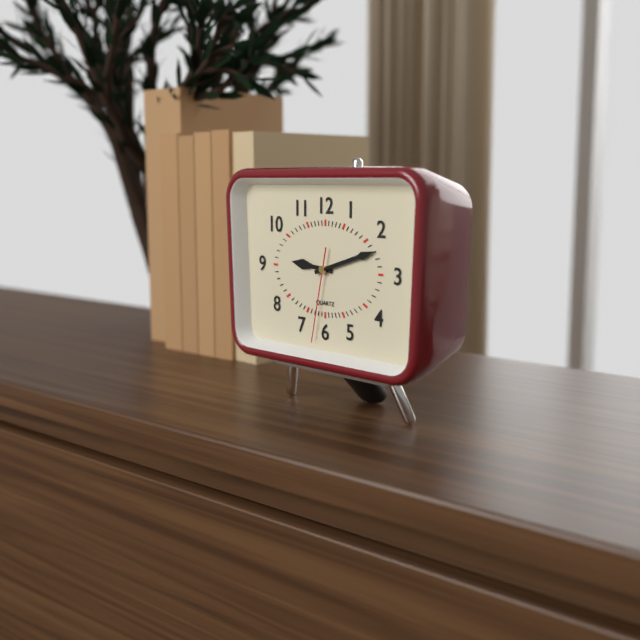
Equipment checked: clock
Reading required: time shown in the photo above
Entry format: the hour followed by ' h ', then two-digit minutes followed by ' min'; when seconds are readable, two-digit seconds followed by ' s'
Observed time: 9 h 12 min 32 s
